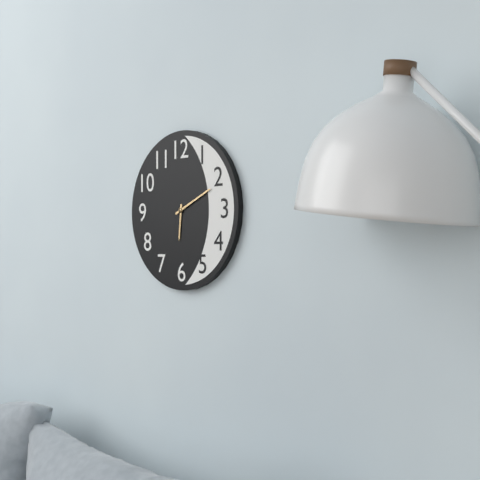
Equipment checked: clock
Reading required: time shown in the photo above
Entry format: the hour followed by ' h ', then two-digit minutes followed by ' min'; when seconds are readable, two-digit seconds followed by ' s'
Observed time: 6 h 11 min
